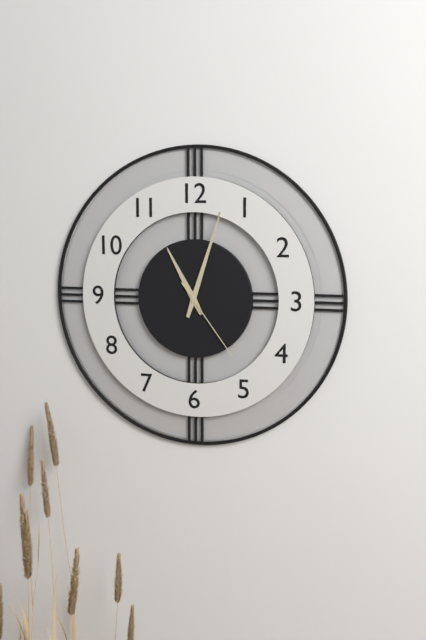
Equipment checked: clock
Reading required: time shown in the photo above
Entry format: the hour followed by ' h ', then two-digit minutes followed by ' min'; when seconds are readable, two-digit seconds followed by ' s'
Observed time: 11 h 03 min 24 s
